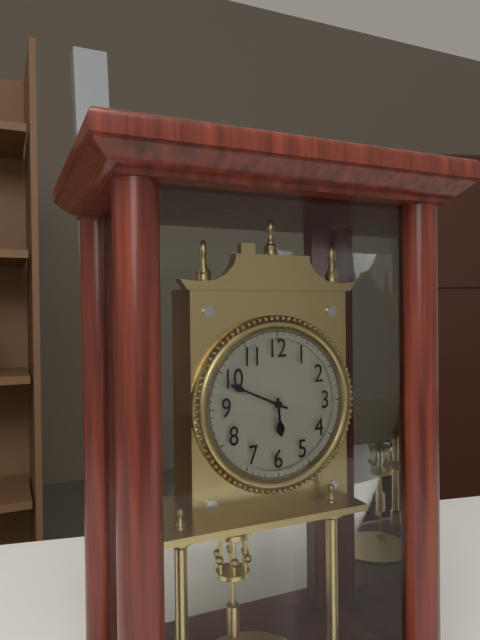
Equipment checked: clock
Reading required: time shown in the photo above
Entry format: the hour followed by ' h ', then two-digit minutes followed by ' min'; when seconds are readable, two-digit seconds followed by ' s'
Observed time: 5 h 49 min
